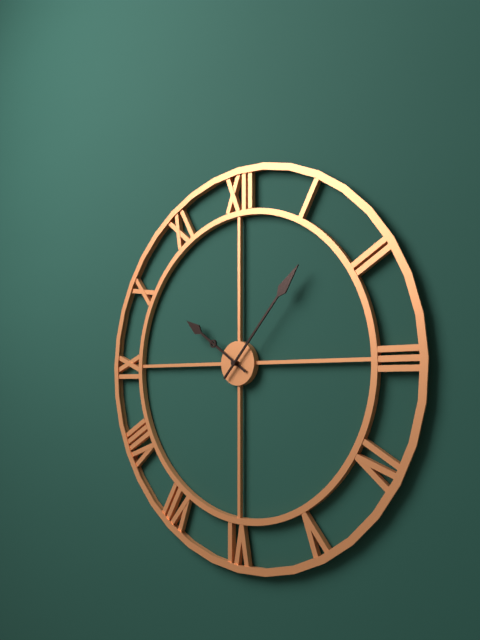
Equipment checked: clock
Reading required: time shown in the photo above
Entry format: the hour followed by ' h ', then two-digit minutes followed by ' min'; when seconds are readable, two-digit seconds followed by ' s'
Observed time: 10 h 07 min
